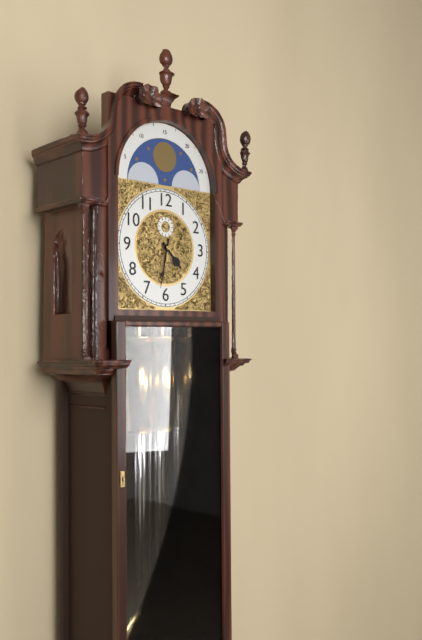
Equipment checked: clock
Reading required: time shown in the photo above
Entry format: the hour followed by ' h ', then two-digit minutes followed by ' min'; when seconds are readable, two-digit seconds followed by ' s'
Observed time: 4 h 32 min
